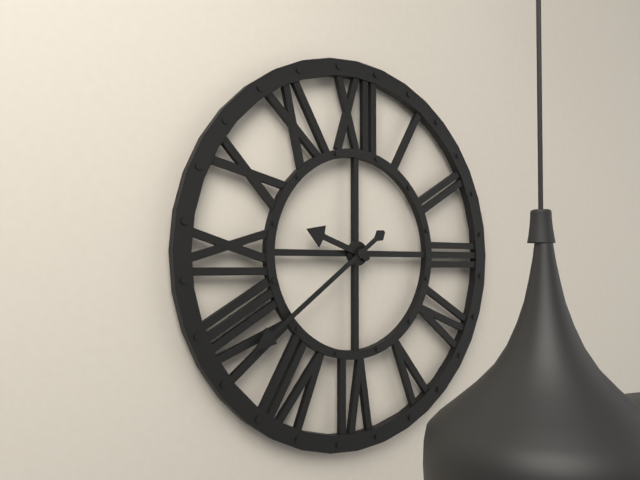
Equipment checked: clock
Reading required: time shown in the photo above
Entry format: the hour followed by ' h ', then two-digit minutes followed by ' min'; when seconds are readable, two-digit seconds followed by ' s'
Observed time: 9 h 39 min
